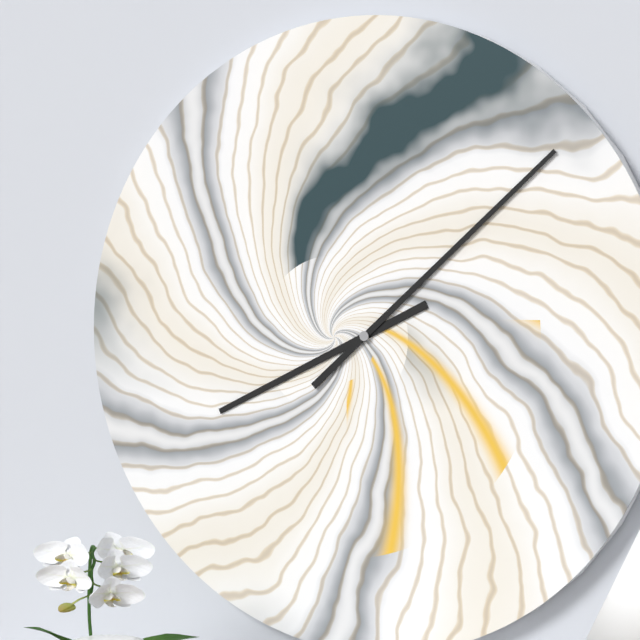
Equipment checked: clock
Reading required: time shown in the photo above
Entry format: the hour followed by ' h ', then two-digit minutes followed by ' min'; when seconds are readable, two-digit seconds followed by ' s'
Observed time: 8 h 08 min
